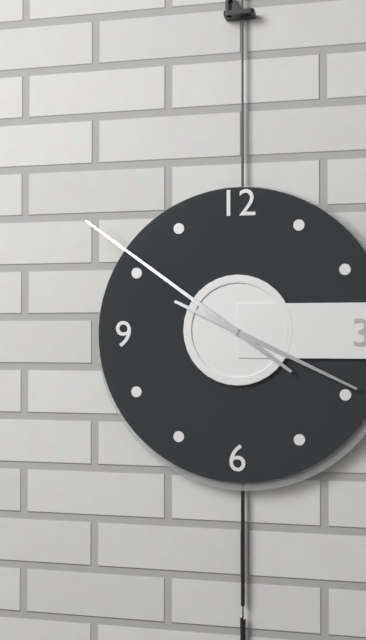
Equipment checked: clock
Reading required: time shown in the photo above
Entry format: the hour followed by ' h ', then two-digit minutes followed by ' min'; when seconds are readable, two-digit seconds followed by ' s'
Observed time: 3 h 51 min
